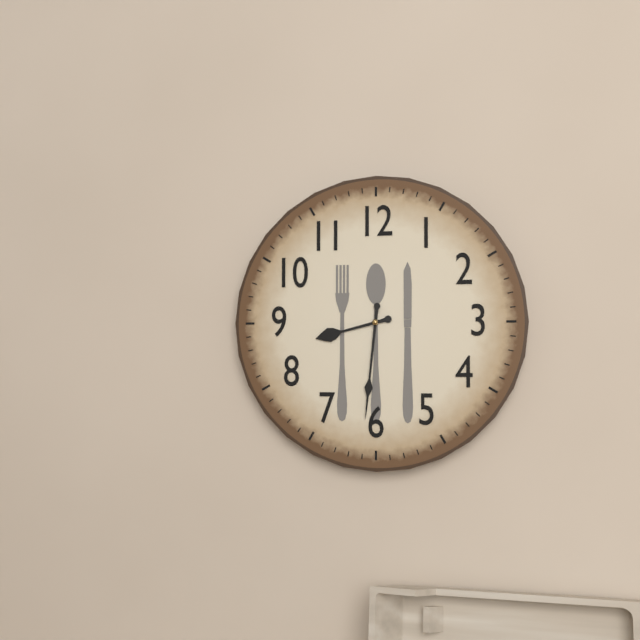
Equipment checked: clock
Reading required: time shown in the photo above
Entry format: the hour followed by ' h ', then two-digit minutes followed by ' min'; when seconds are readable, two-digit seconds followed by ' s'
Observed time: 8 h 31 min
